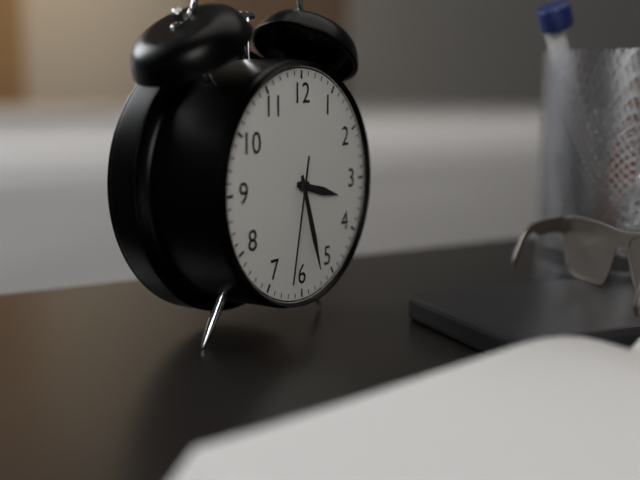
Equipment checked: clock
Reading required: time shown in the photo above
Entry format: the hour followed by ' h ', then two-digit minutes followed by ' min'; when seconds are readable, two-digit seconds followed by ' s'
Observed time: 3 h 27 min 32 s
